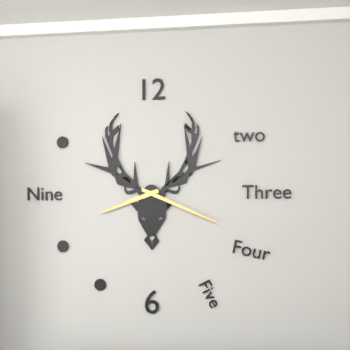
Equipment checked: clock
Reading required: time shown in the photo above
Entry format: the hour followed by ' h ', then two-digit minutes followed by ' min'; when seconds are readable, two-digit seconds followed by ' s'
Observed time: 8 h 19 min
